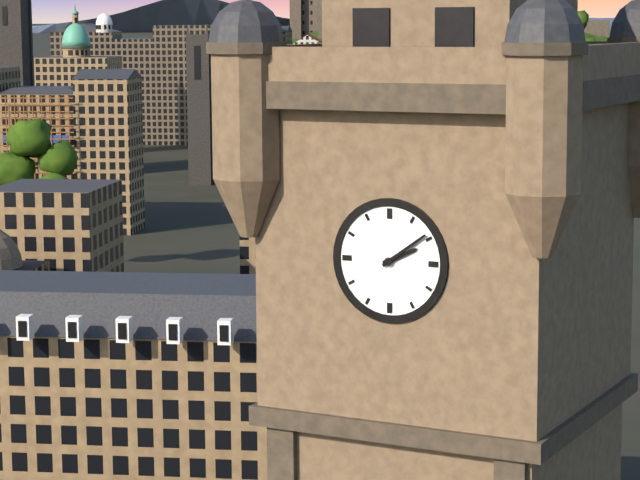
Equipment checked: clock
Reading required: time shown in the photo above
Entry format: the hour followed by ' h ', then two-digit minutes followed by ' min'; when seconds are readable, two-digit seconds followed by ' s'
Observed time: 2 h 09 min
